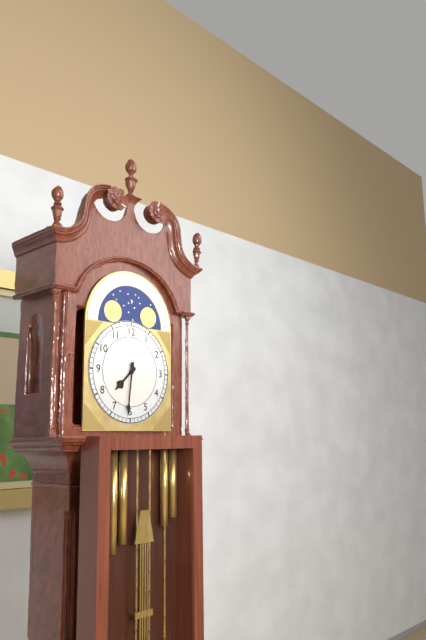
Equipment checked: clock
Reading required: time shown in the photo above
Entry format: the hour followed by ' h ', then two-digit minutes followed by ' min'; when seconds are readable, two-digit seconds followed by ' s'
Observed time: 7 h 31 min
